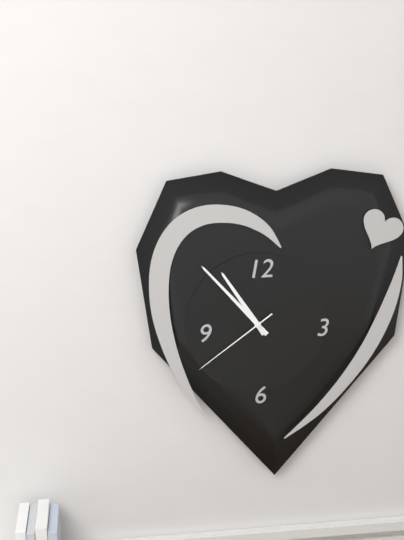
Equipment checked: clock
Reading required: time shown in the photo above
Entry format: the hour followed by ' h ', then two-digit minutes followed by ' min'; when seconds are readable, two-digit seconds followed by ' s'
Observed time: 10 h 53 min 39 s
